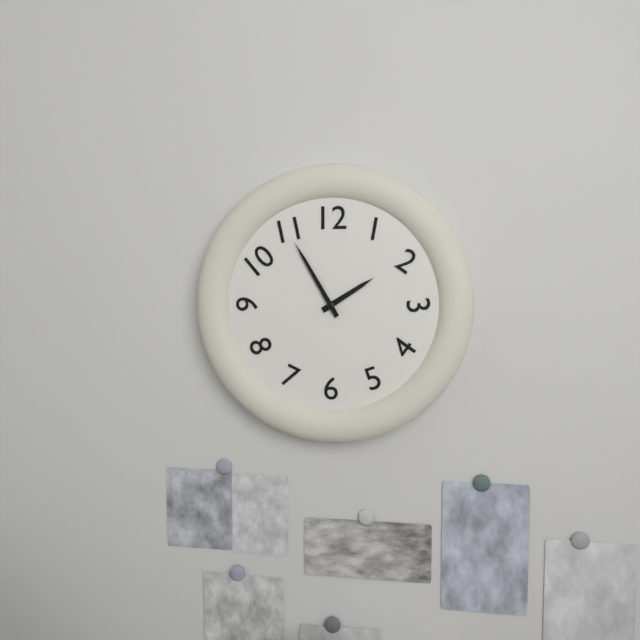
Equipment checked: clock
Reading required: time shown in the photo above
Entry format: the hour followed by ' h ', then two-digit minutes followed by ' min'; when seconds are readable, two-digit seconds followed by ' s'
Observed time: 1 h 55 min
